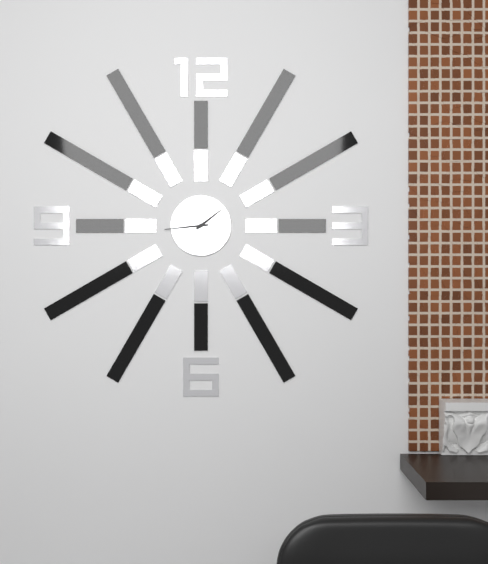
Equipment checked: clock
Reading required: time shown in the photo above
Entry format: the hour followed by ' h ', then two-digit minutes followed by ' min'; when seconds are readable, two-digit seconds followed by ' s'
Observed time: 1 h 44 min
